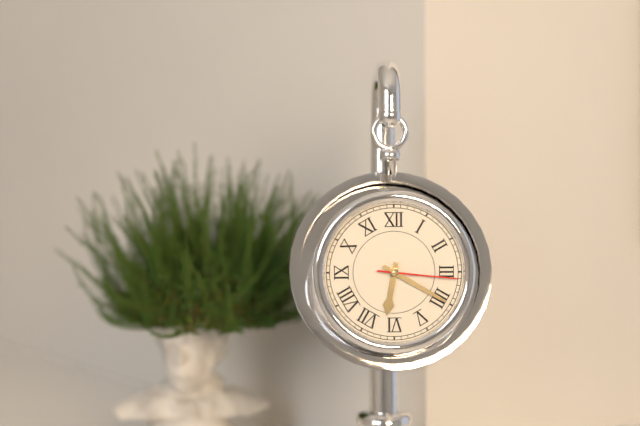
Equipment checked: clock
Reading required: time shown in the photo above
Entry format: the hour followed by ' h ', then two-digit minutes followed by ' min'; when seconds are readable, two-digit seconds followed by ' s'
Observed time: 6 h 20 min 16 s
